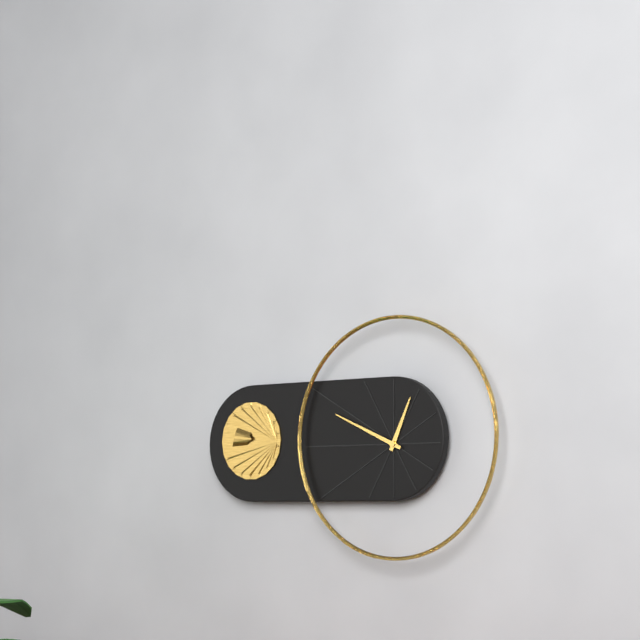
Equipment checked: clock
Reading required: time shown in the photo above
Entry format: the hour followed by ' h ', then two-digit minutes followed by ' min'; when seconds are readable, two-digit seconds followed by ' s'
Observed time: 12 h 49 min
